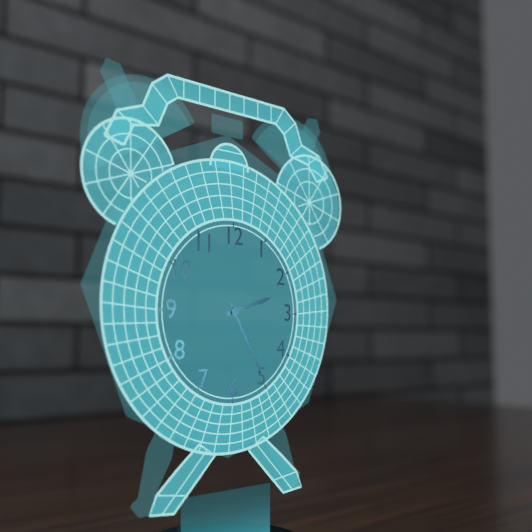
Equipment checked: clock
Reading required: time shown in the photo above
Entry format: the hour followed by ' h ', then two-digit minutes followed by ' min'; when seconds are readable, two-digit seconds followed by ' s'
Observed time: 2 h 25 min
